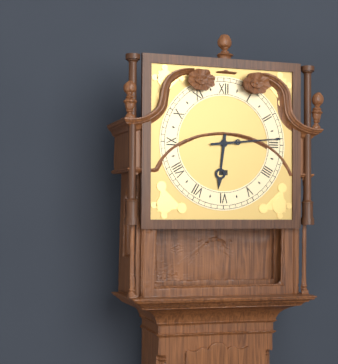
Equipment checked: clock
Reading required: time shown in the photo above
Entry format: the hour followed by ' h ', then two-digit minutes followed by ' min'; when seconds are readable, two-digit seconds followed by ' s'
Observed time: 6 h 14 min
